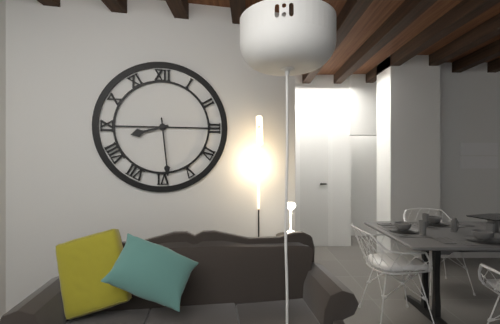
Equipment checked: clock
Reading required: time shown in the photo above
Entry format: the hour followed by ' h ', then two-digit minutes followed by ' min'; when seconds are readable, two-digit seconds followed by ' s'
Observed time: 8 h 29 min
